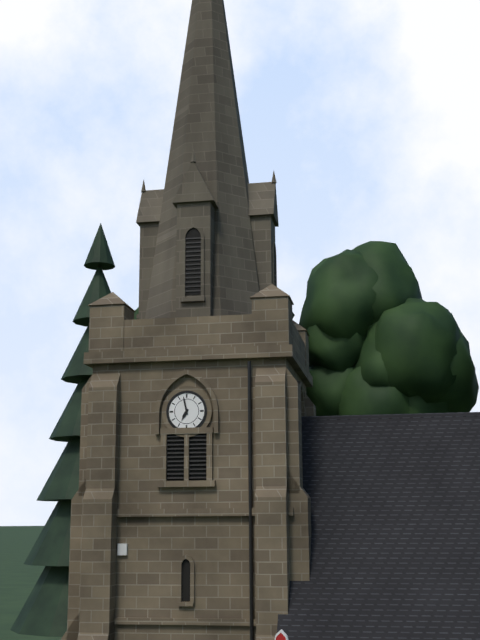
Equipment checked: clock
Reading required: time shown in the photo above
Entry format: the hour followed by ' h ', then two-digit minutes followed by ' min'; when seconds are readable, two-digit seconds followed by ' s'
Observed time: 6 h 58 min
